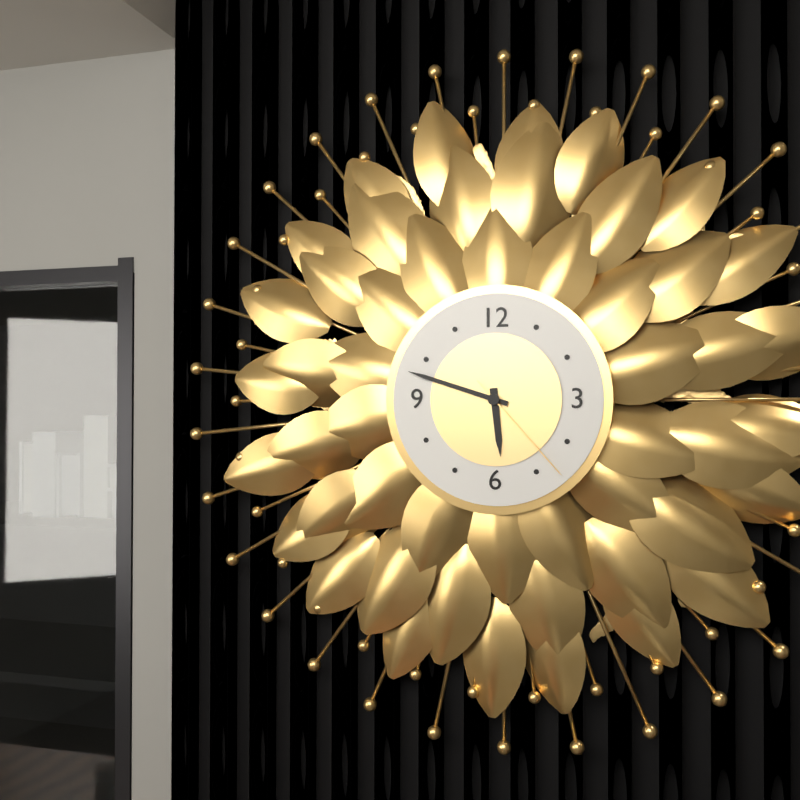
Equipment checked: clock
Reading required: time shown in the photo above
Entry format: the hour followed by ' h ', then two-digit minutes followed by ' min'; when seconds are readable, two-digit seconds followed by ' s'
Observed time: 5 h 48 min 23 s
